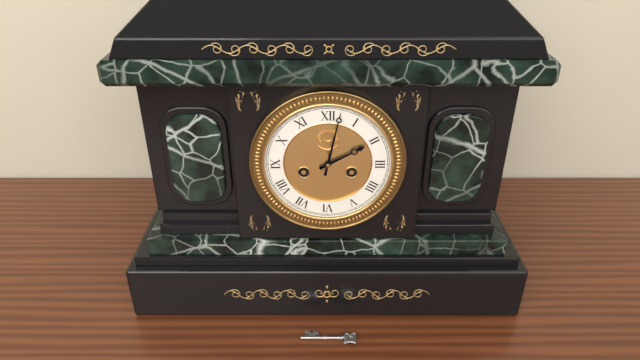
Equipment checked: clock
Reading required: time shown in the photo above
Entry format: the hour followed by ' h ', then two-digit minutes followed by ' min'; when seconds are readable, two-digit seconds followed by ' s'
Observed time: 2 h 02 min
